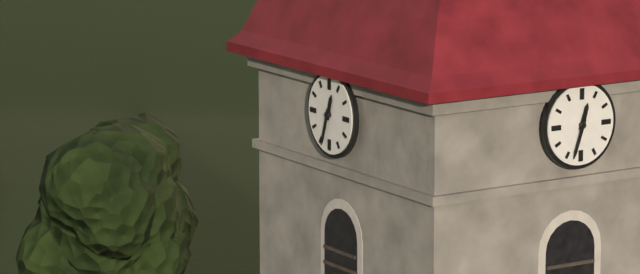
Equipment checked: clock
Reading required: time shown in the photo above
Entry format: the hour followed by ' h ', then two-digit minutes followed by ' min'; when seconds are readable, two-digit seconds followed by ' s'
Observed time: 12 h 33 min
